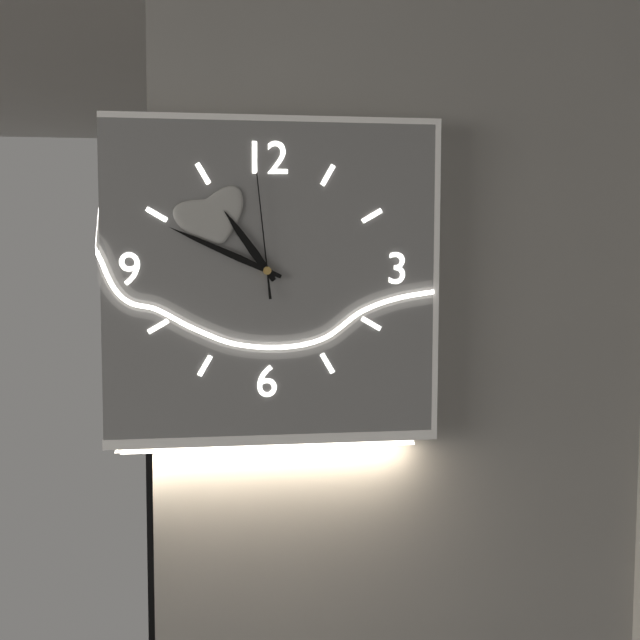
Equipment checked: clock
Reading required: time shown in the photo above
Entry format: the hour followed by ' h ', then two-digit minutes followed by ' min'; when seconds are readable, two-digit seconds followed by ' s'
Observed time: 10 h 49 min 59 s
